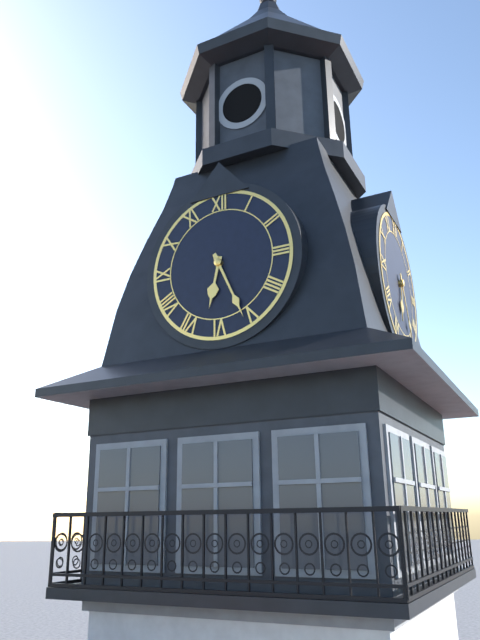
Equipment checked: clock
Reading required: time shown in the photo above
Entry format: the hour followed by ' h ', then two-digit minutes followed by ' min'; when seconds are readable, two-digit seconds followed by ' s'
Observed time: 6 h 26 min
